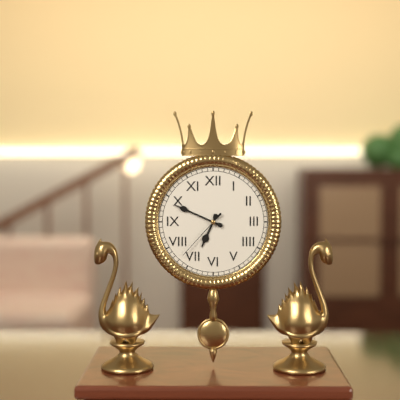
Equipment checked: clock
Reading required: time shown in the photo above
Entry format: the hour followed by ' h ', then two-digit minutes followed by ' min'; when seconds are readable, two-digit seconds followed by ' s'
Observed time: 6 h 49 min 37 s
